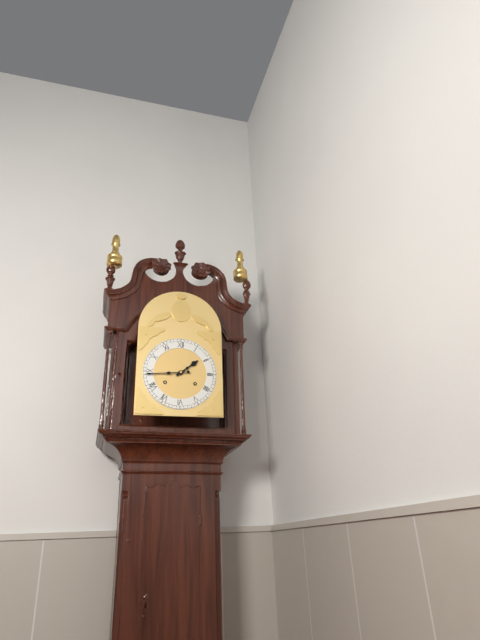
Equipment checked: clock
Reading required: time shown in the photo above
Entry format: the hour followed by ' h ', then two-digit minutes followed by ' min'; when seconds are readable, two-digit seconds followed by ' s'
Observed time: 1 h 44 min
